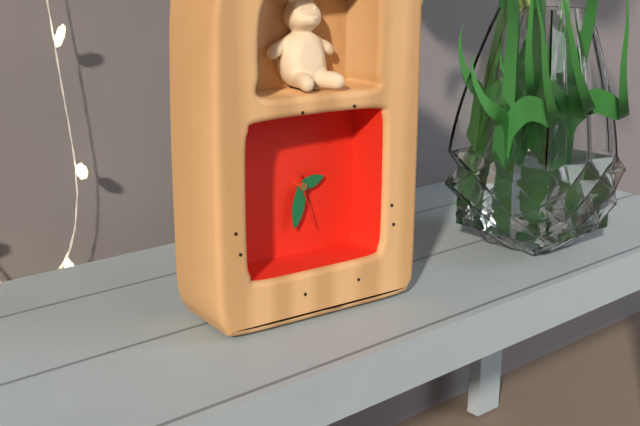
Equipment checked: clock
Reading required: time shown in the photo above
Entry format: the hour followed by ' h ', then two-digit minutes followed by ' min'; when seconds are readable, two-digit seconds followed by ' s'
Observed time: 2 h 32 min 27 s
